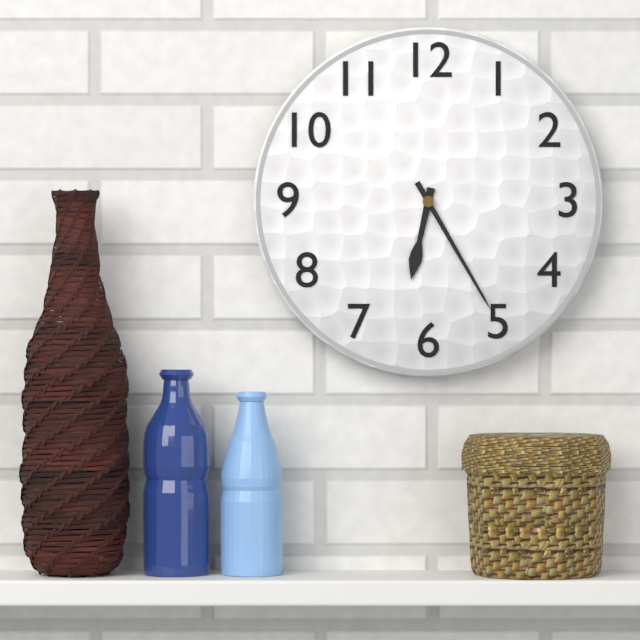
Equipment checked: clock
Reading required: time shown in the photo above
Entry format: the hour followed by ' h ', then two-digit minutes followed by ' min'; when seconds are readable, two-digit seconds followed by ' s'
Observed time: 6 h 25 min
